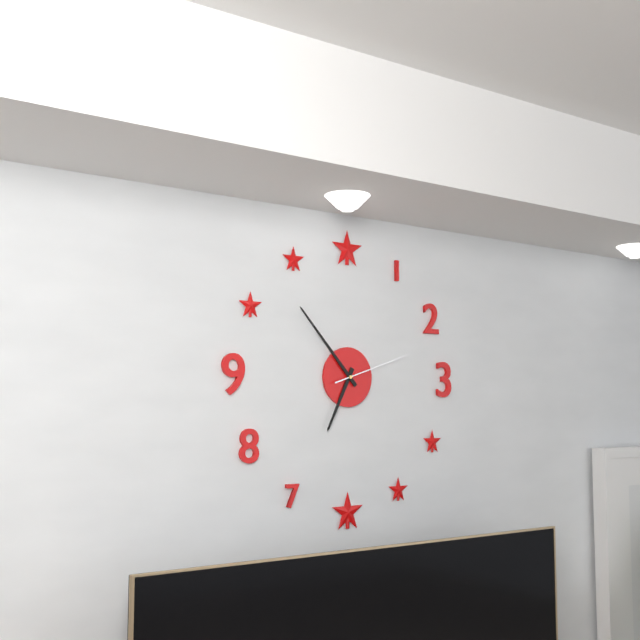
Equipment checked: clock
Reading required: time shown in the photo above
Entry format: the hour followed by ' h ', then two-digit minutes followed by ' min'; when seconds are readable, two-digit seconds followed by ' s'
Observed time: 6 h 53 min 12 s
